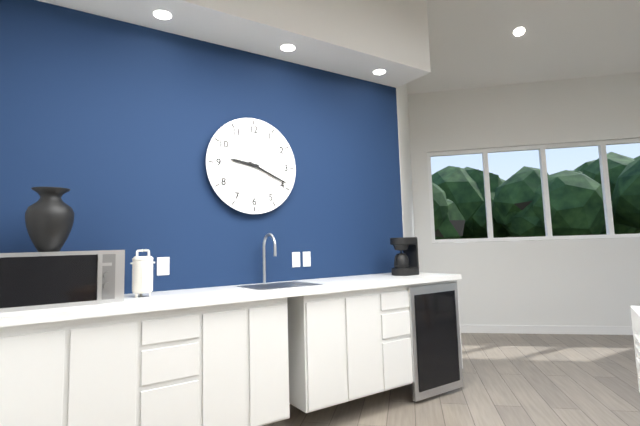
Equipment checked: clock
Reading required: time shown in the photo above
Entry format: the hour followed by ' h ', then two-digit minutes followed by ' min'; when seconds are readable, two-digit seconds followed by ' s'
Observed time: 9 h 19 min
